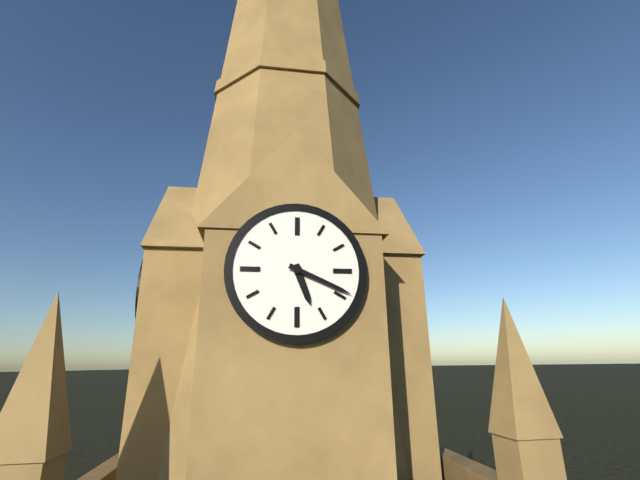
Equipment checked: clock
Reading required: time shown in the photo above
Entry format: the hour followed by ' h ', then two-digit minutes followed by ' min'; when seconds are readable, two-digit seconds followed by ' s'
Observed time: 5 h 19 min
